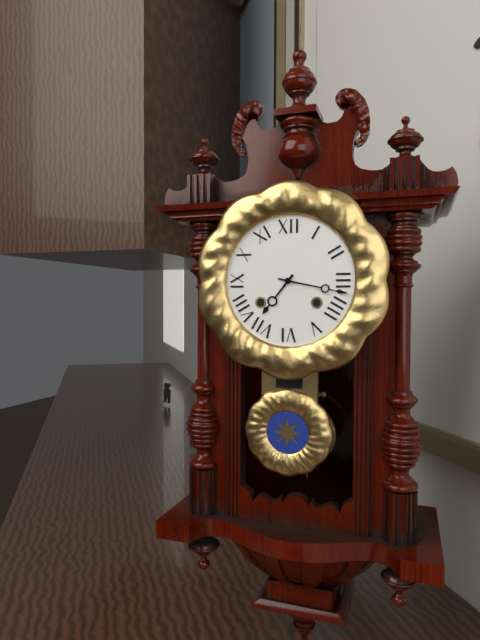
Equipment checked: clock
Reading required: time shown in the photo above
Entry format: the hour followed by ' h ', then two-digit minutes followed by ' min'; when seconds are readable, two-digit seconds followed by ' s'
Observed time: 7 h 17 min
